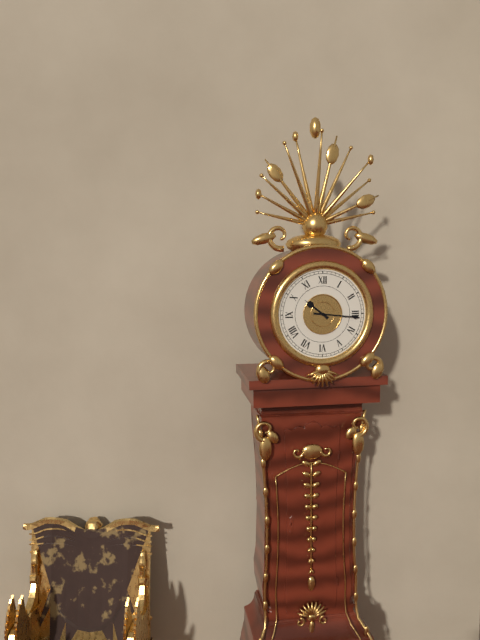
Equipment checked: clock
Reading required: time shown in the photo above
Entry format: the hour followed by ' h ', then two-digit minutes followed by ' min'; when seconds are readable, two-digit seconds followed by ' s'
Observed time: 10 h 16 min
